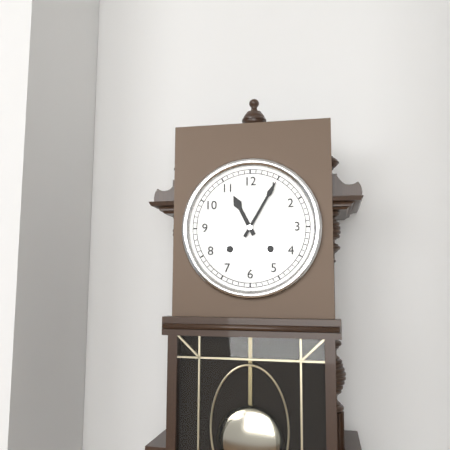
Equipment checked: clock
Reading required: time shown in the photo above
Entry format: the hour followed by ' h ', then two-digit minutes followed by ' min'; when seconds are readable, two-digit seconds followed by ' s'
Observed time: 11 h 05 min
